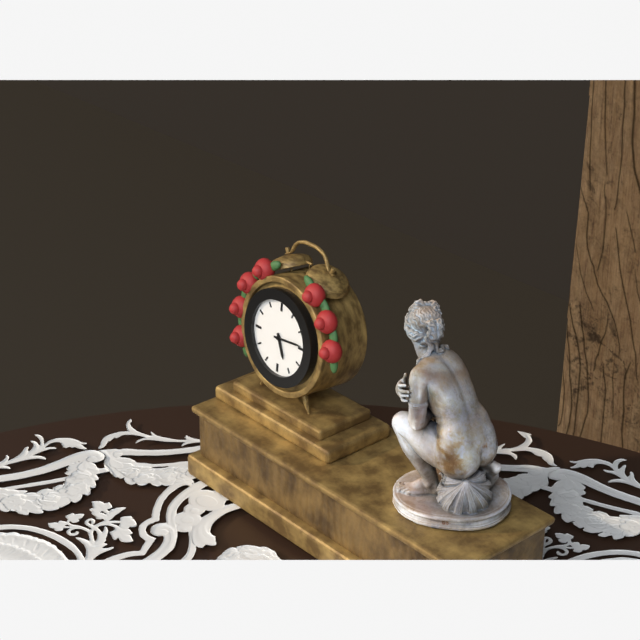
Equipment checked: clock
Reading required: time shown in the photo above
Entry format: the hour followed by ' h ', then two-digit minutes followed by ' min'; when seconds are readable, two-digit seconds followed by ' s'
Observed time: 5 h 14 min
